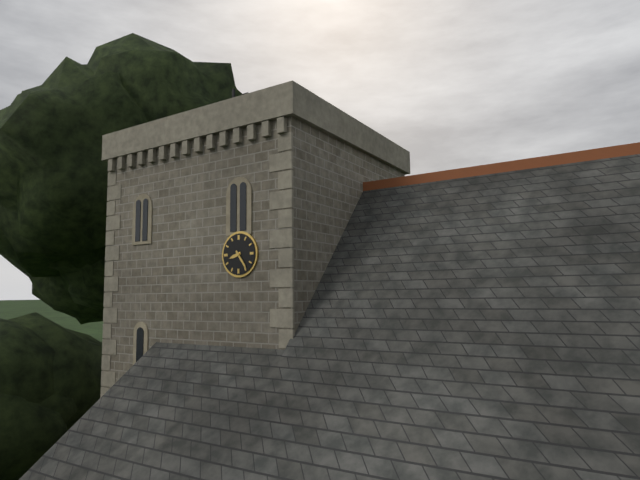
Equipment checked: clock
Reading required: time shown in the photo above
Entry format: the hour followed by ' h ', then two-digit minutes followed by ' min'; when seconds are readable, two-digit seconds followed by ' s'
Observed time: 8 h 24 min
